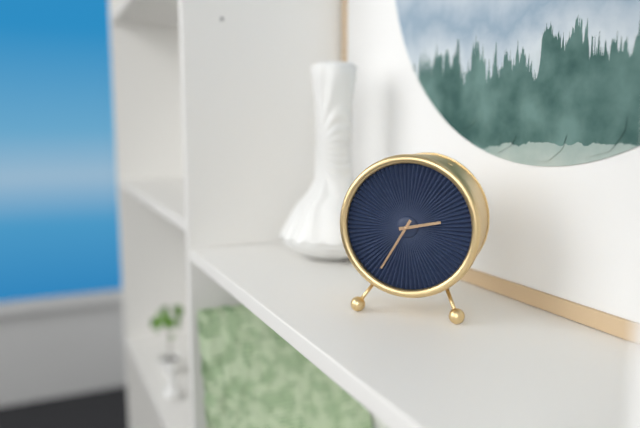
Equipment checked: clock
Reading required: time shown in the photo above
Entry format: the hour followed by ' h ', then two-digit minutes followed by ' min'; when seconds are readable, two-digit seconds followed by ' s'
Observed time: 2 h 35 min
